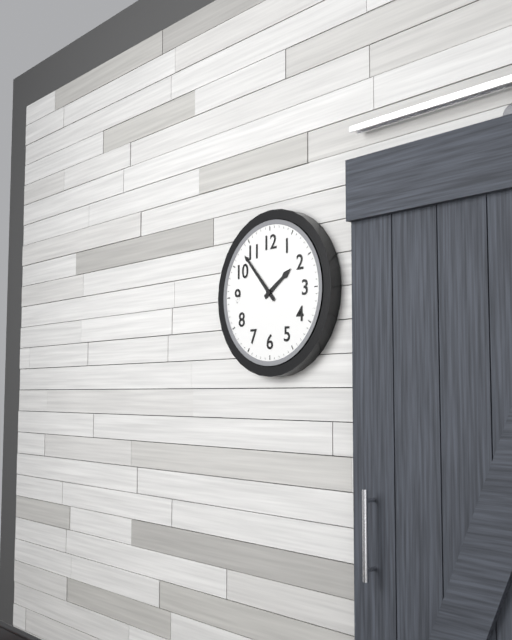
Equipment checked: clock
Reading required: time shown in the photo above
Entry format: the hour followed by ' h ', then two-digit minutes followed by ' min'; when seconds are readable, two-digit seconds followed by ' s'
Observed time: 1 h 53 min
